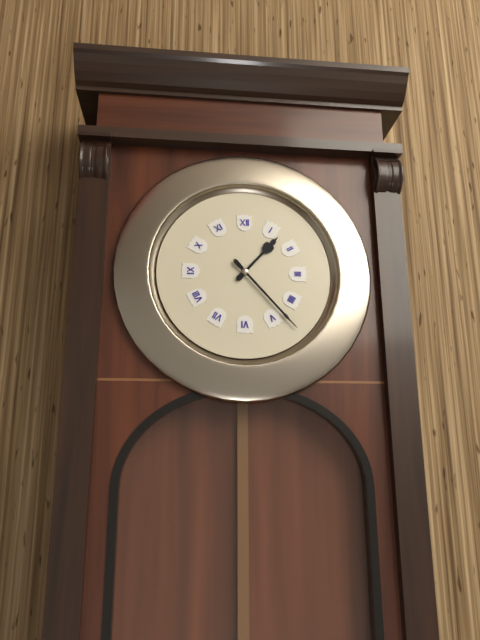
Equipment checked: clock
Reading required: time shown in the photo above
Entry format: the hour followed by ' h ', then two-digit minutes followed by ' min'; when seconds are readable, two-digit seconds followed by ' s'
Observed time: 1 h 23 min
